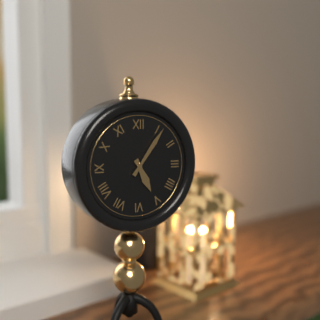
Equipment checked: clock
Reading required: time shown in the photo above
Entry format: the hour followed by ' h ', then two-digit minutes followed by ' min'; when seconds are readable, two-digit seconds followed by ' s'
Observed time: 5 h 06 min
